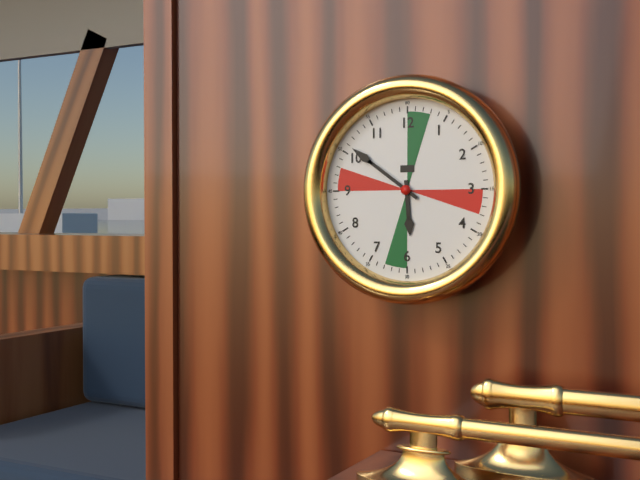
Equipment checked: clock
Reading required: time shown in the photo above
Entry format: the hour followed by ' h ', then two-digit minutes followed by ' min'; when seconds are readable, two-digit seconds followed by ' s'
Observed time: 5 h 51 min
